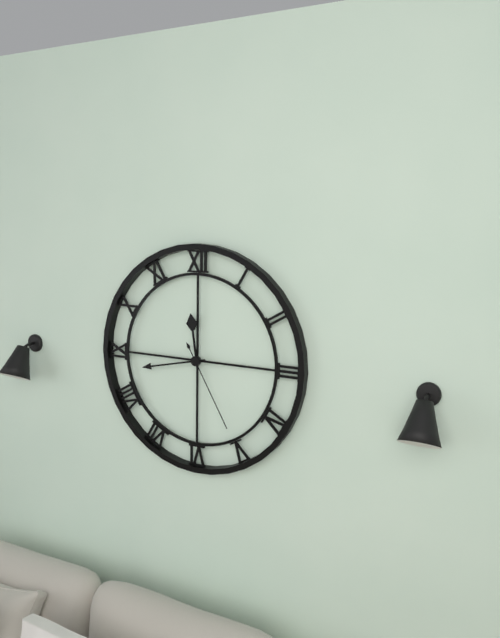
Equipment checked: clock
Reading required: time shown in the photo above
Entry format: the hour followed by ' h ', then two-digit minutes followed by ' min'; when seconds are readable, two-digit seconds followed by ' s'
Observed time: 11 h 43 min 25 s
